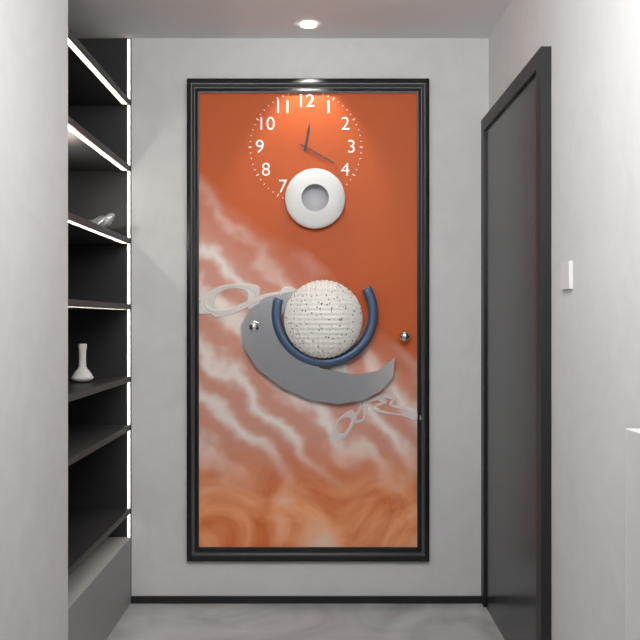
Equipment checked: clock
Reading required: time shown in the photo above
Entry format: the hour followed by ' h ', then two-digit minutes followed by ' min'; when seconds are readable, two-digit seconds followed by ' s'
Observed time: 12 h 20 min 21 s
